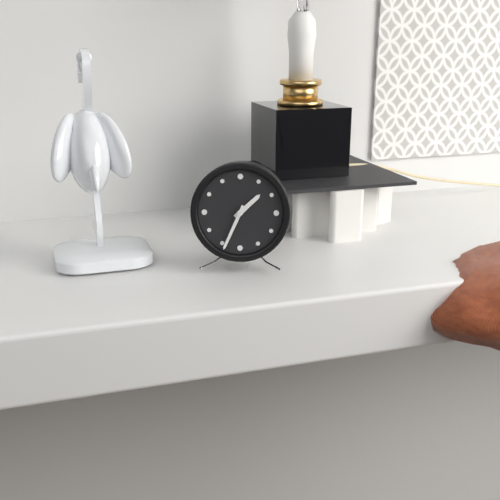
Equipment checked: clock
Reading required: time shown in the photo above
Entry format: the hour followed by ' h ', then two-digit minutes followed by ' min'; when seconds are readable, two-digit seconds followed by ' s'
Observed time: 1 h 34 min
